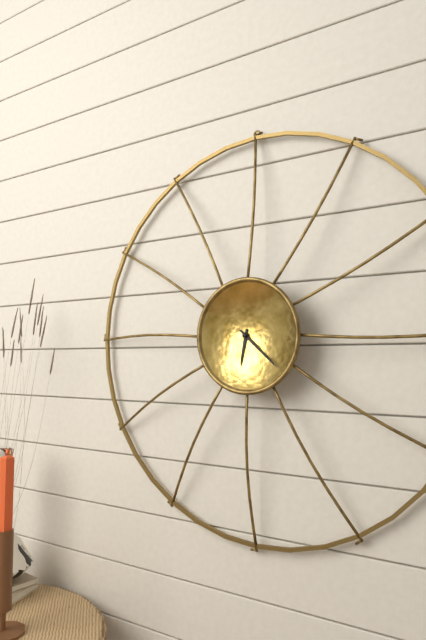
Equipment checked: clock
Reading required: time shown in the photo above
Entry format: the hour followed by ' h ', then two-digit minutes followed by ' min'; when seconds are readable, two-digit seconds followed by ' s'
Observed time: 6 h 22 min
